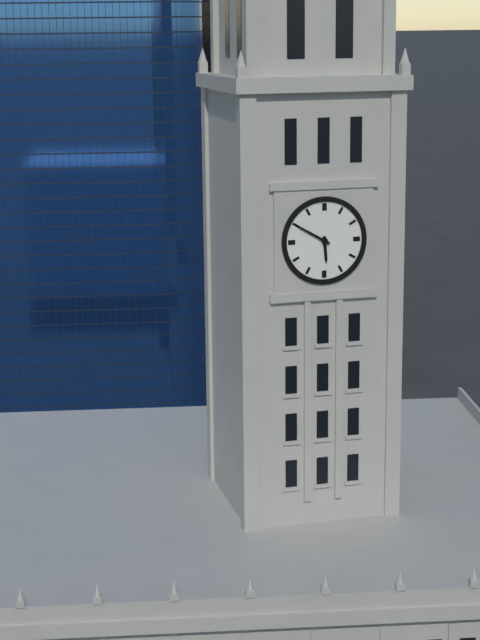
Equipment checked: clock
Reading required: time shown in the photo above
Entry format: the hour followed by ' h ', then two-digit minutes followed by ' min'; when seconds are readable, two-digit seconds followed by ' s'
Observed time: 5 h 50 min
